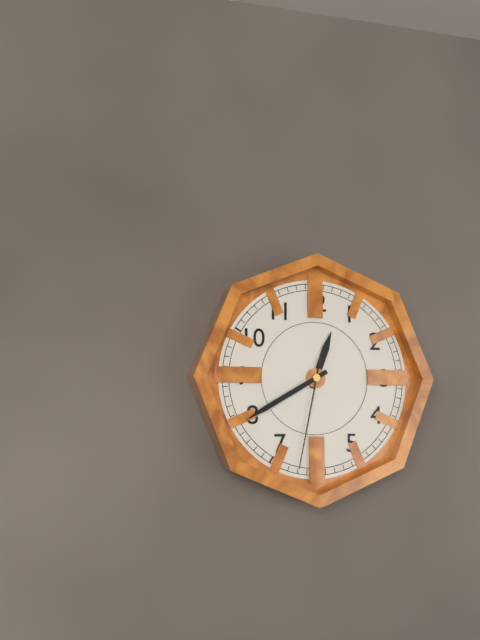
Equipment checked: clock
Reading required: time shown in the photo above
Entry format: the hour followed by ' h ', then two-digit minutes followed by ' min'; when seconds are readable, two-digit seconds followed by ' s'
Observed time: 12 h 40 min 32 s
